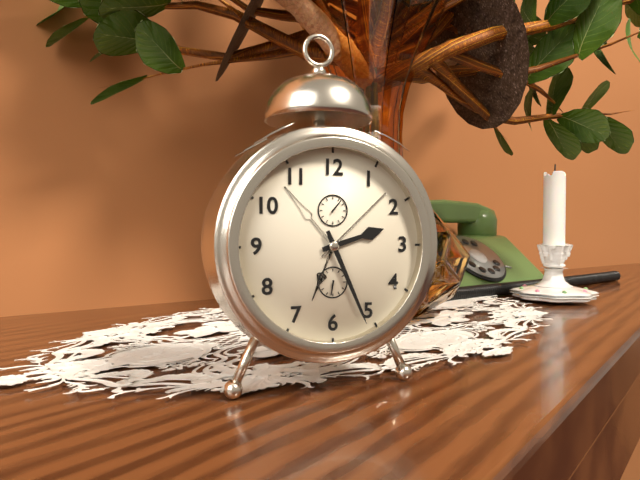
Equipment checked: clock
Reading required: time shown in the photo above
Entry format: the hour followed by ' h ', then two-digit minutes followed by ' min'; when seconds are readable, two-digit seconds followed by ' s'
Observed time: 2 h 26 min
